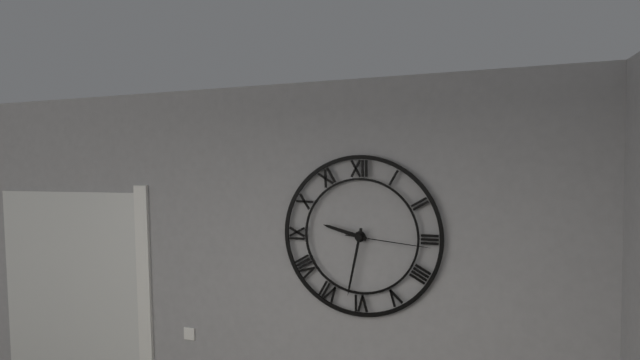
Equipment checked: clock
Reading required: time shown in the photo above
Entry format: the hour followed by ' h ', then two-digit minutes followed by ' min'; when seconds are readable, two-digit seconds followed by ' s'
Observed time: 9 h 32 min 16 s
